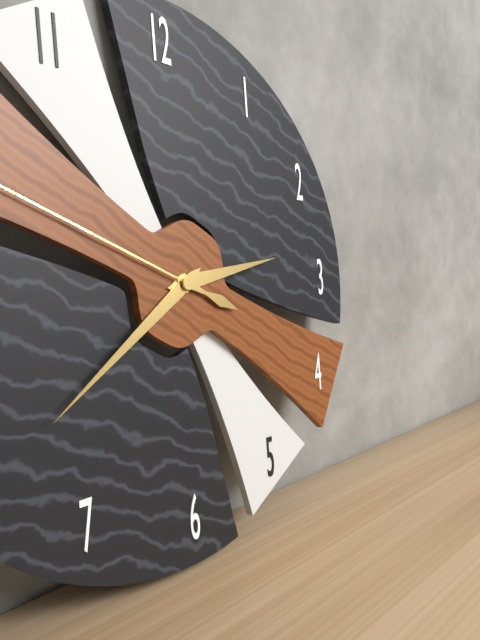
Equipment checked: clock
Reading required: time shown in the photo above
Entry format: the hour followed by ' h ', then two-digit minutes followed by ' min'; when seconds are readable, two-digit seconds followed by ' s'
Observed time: 2 h 39 min
